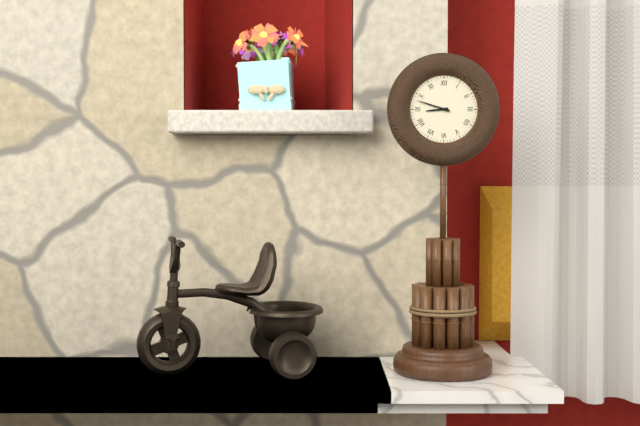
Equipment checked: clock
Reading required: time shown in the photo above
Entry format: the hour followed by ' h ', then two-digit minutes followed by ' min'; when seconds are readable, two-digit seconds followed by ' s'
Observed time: 8 h 48 min
